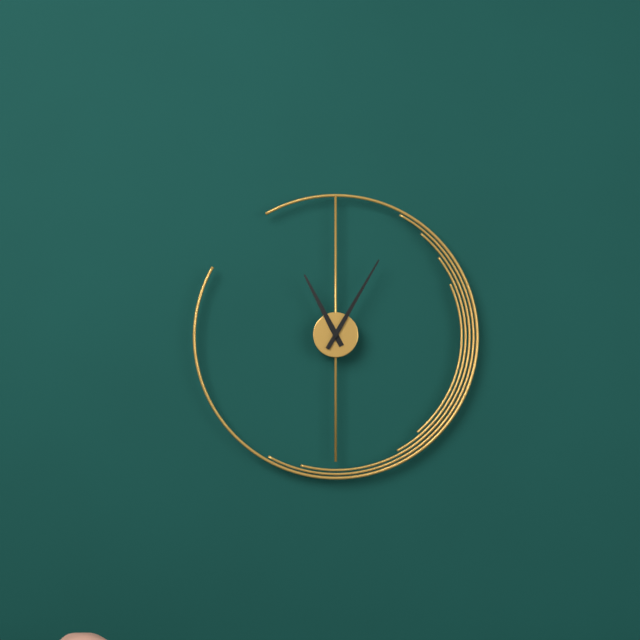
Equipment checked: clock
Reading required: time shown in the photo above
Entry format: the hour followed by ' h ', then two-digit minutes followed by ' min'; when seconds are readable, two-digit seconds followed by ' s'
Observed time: 11 h 05 min
